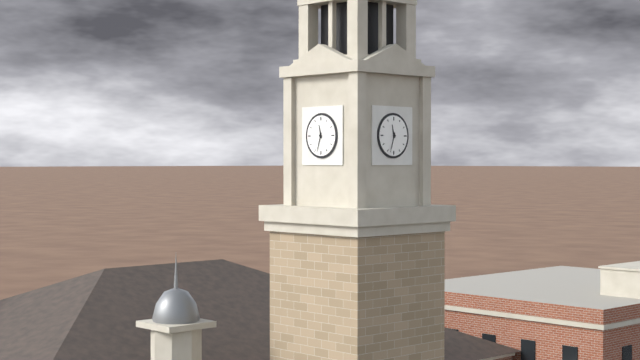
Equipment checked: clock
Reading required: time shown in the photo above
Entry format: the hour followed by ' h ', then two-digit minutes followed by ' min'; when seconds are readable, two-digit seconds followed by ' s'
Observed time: 11 h 33 min
